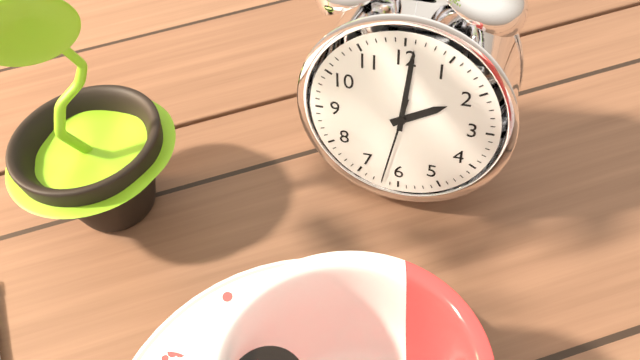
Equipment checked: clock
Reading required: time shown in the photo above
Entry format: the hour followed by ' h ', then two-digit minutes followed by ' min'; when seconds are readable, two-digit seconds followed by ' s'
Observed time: 2 h 01 min 32 s
